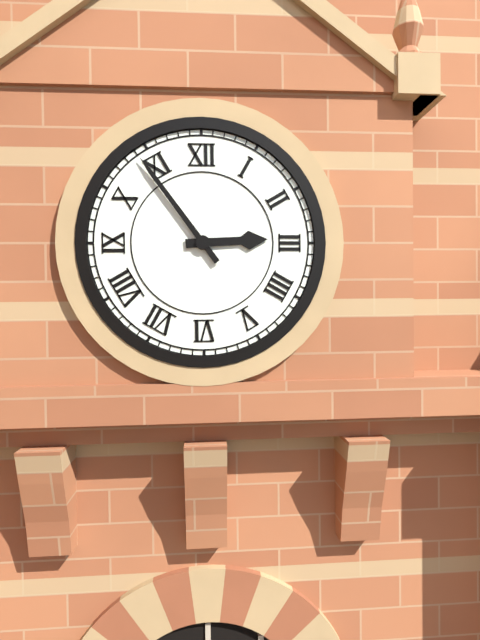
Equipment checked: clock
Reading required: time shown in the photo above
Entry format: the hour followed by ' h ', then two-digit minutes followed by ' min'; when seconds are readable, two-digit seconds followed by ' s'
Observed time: 2 h 54 min
